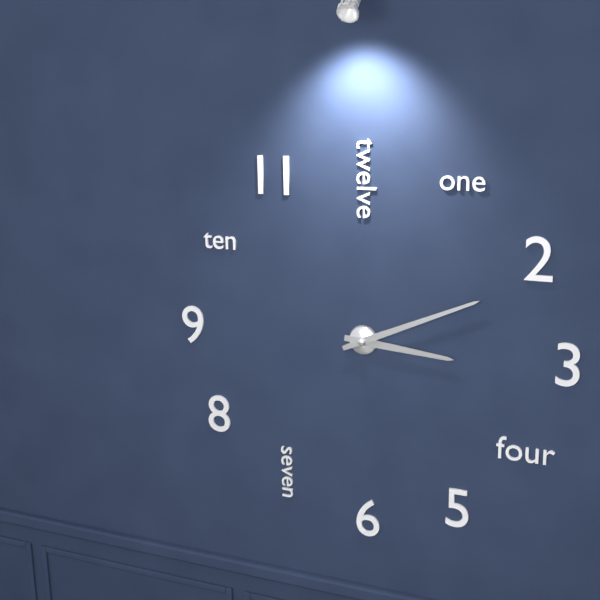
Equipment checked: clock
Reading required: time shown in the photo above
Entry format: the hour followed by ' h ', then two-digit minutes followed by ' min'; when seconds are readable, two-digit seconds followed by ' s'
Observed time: 3 h 11 min
